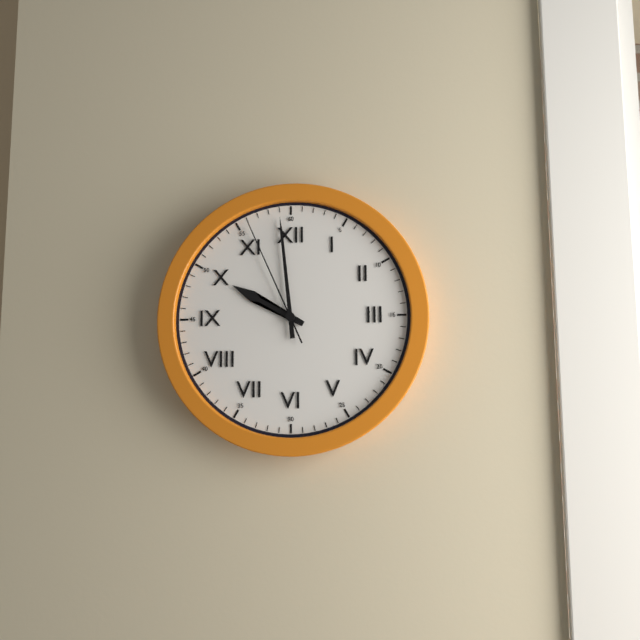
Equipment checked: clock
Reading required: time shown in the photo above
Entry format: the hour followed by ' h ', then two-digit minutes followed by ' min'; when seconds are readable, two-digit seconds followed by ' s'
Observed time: 9 h 59 min 56 s
